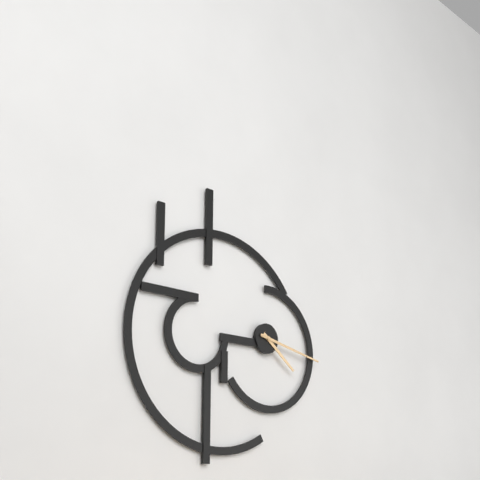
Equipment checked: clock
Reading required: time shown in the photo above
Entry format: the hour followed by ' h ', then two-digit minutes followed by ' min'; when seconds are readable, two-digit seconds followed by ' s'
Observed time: 4 h 17 min
